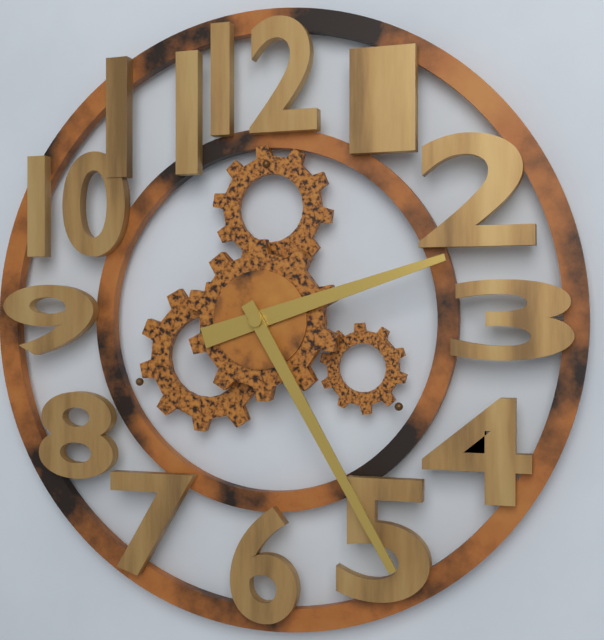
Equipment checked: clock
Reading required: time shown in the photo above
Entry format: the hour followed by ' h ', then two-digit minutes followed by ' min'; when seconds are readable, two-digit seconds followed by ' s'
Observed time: 2 h 25 min
